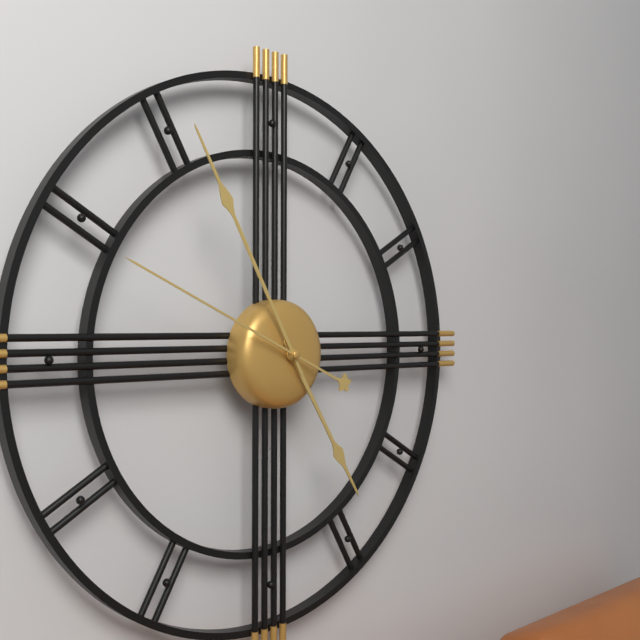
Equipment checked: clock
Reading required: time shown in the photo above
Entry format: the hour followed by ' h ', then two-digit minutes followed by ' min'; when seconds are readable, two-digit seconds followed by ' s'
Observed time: 4 h 55 min 49 s
